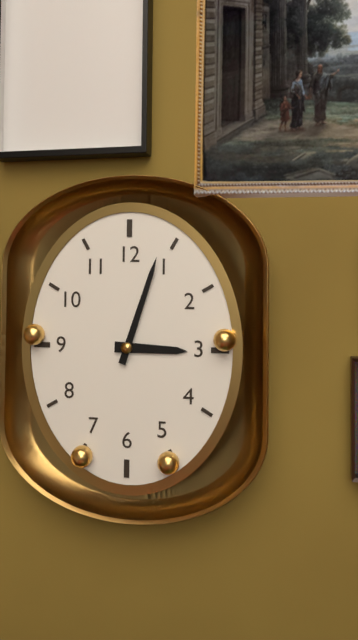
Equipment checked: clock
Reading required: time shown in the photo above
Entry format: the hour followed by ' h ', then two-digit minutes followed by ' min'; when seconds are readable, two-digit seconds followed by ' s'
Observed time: 3 h 03 min
